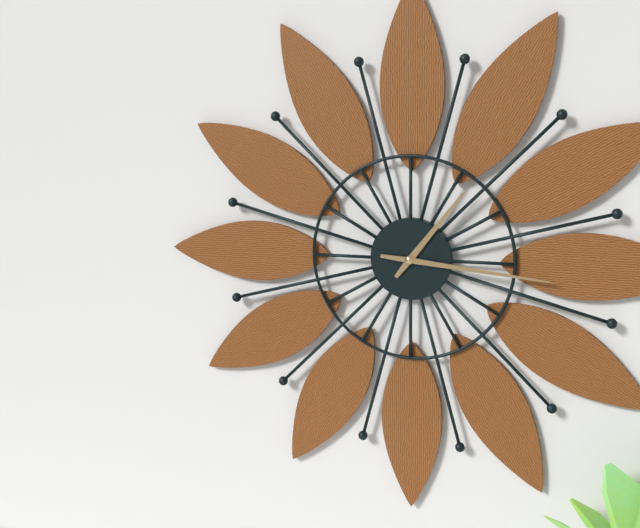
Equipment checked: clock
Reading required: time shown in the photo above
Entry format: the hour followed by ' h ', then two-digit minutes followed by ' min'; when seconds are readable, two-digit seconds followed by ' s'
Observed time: 1 h 16 min
